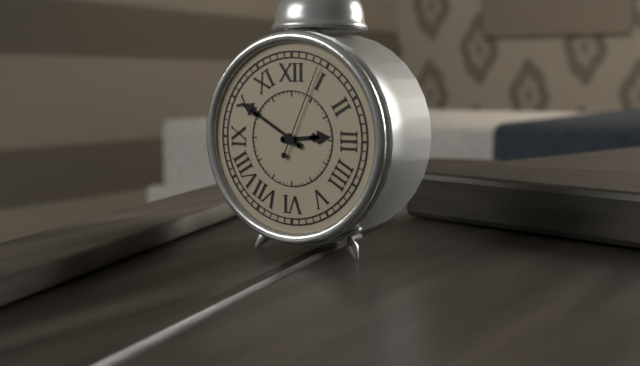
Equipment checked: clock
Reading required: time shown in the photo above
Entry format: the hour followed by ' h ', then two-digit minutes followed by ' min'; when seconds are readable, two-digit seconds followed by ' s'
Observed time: 2 h 50 min 04 s
